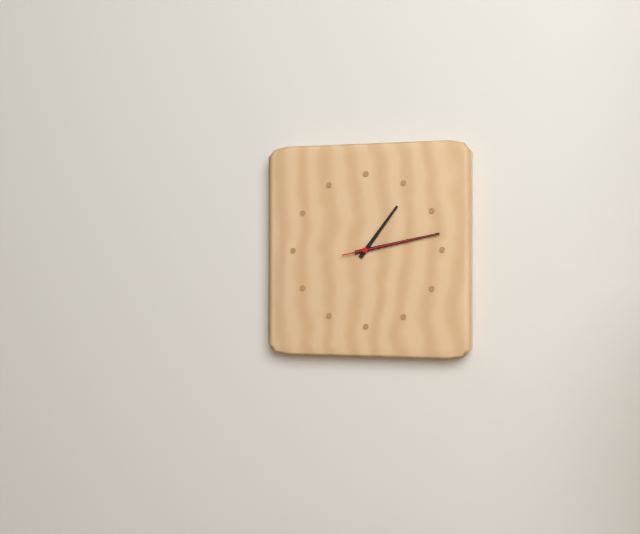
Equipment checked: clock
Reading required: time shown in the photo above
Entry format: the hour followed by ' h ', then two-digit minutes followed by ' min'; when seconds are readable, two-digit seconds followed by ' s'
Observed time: 1 h 13 min 13 s
